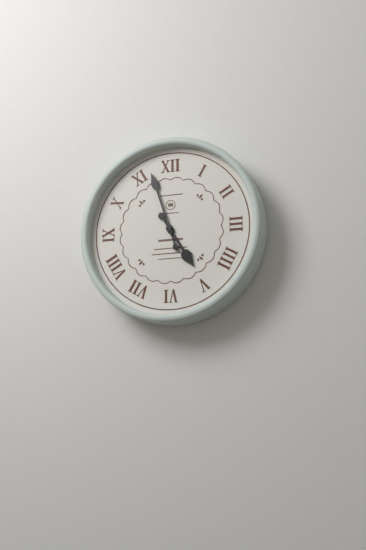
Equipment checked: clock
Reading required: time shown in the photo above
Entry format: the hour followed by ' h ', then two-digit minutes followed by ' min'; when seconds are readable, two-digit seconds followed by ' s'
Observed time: 4 h 57 min
